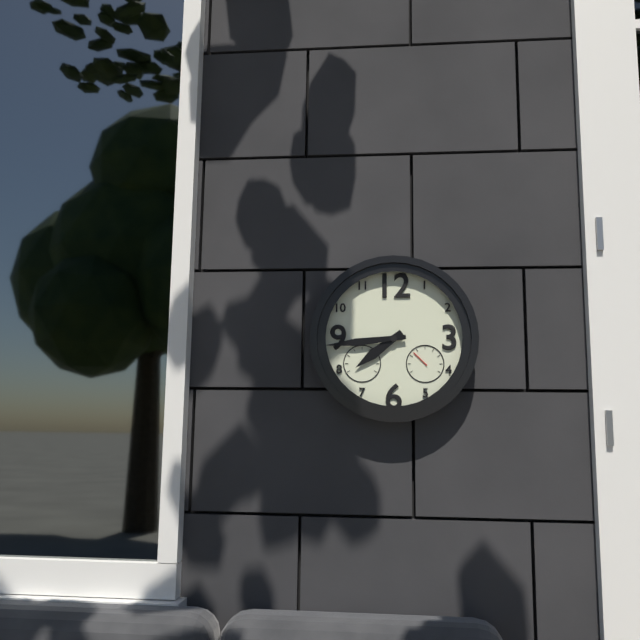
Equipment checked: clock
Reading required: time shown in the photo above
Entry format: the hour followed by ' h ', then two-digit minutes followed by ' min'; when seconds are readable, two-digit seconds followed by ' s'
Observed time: 7 h 44 min
